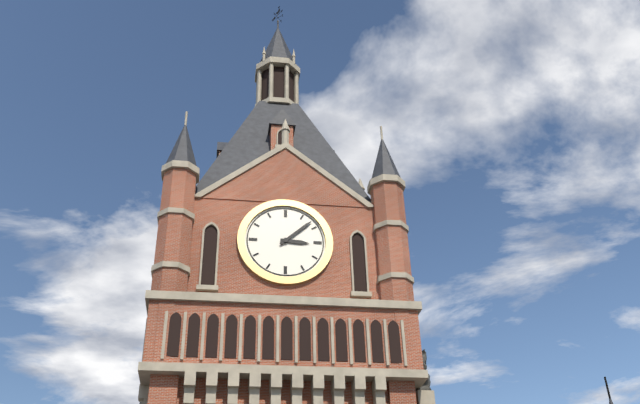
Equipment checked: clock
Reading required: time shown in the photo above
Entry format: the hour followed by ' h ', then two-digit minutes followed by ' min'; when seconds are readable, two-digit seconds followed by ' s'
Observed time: 3 h 08 min
